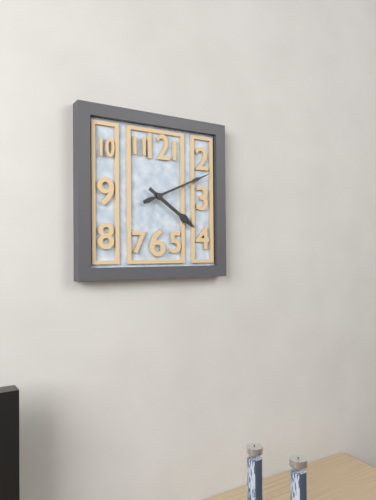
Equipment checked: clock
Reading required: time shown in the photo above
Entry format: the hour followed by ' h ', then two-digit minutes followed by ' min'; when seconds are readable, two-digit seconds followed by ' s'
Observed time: 4 h 11 min
